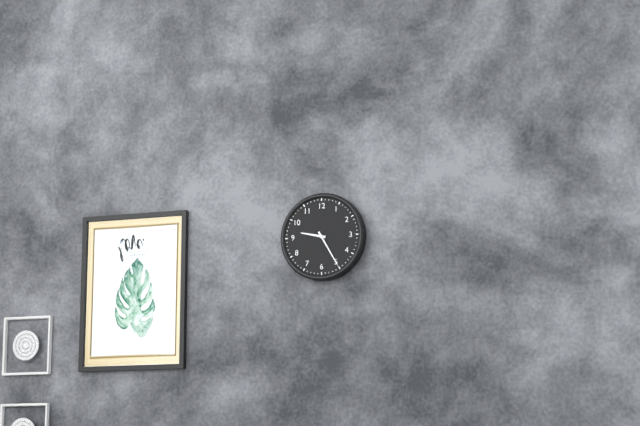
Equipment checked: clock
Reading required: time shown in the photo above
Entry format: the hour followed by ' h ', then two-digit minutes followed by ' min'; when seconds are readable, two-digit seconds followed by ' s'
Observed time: 9 h 25 min
